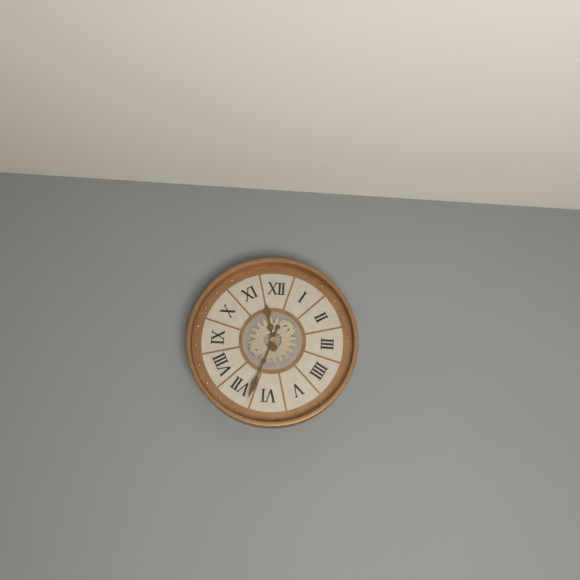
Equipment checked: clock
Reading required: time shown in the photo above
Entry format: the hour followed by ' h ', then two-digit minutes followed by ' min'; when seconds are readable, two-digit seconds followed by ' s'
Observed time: 11 h 33 min
